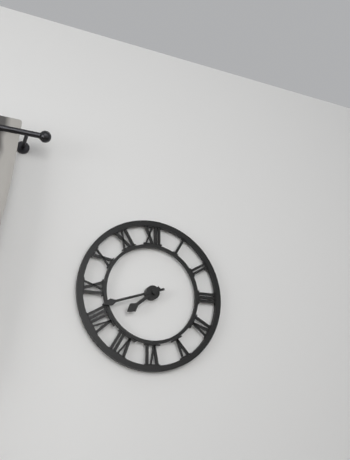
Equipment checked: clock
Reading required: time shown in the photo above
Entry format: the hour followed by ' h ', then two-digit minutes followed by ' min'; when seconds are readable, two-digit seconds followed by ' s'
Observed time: 7 h 42 min
